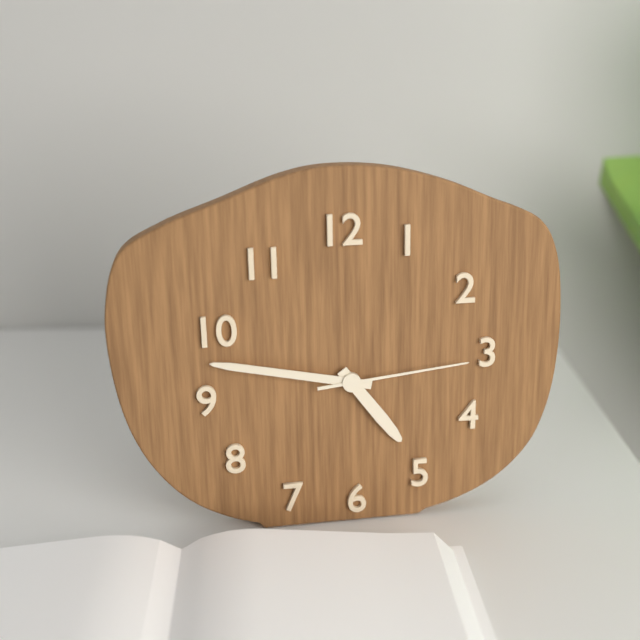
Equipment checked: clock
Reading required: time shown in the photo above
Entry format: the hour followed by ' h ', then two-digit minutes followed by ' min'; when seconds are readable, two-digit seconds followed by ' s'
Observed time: 4 h 47 min 14 s
